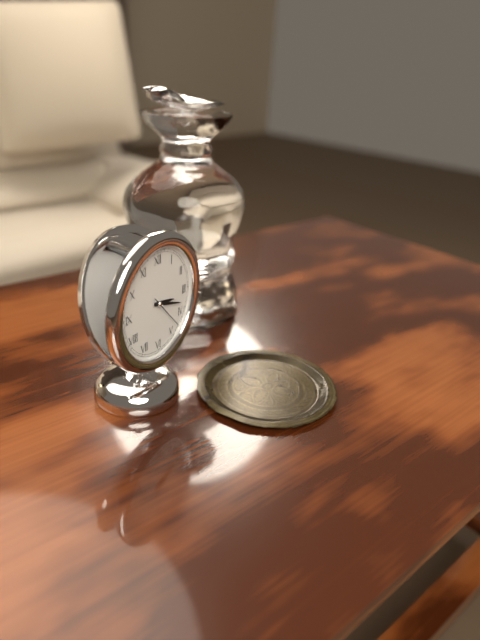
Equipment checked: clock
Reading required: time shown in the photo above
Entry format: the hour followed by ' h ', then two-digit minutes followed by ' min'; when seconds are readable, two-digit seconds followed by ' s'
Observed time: 3 h 18 min
